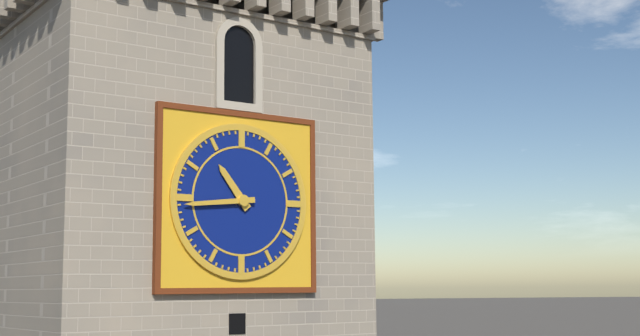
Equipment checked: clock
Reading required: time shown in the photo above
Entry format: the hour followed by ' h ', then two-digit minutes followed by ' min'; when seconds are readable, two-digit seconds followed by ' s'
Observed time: 10 h 44 min
